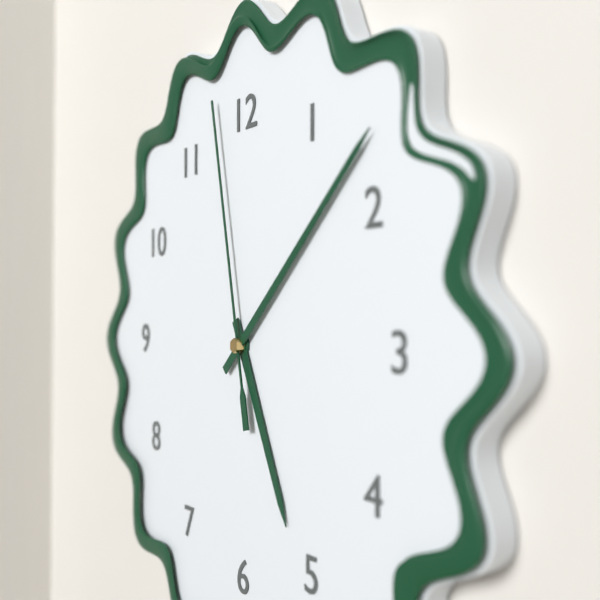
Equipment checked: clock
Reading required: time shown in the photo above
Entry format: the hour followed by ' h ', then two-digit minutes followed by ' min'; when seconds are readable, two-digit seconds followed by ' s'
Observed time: 5 h 08 min 58 s
